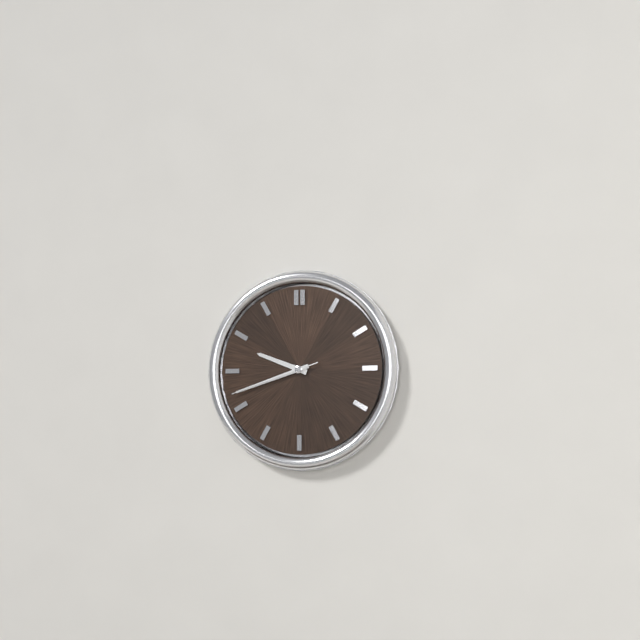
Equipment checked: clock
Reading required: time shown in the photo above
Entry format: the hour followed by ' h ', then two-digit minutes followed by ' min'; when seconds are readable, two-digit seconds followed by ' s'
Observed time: 9 h 42 min 42 s
